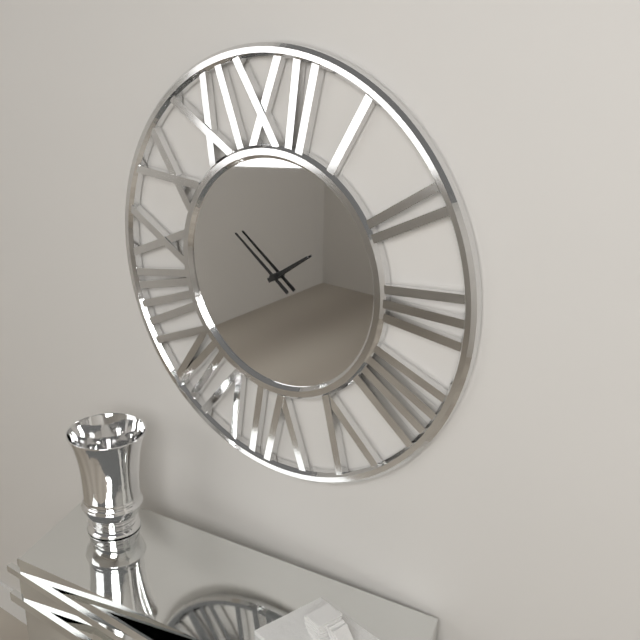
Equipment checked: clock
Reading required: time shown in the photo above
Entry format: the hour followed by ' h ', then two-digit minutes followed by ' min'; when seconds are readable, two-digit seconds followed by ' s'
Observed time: 1 h 51 min
